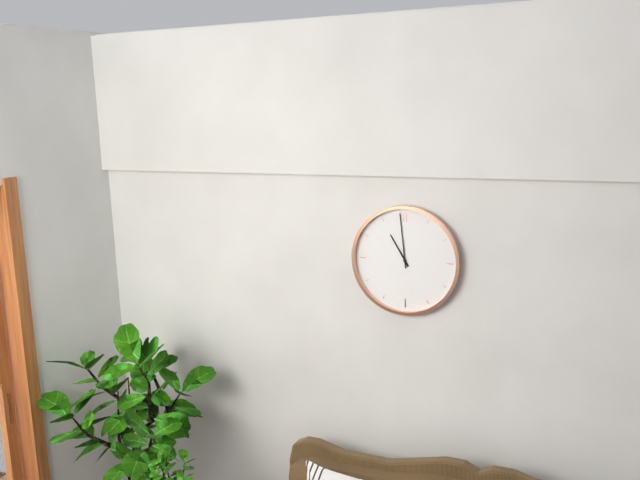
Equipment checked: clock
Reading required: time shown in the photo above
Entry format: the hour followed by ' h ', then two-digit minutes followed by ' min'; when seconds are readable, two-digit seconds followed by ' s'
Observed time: 10 h 59 min
